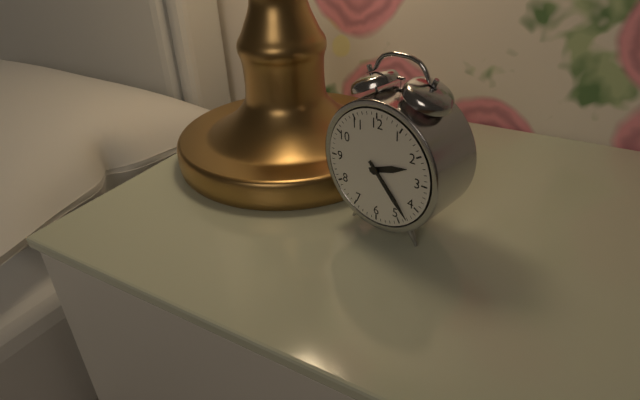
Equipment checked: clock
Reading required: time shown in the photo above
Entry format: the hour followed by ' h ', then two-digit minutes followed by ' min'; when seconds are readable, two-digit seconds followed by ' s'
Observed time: 2 h 23 min
